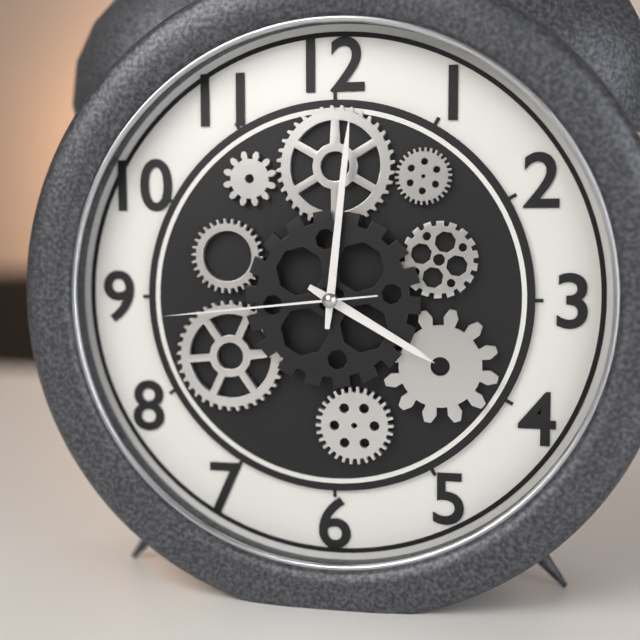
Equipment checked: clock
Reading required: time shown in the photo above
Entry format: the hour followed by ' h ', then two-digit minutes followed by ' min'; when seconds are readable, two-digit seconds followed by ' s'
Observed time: 4 h 01 min 44 s
